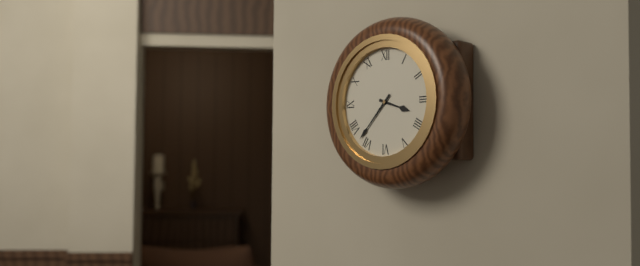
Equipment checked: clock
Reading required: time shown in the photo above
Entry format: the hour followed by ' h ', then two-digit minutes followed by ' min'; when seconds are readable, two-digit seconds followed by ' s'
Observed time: 3 h 37 min
